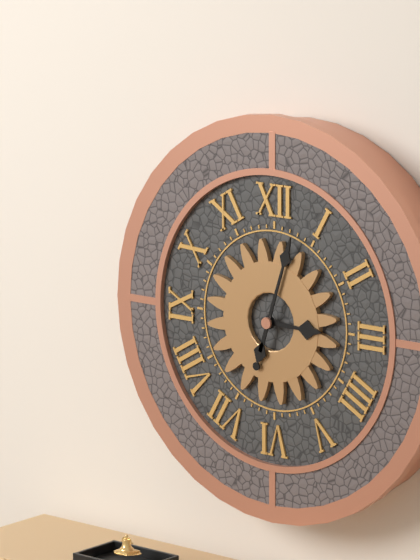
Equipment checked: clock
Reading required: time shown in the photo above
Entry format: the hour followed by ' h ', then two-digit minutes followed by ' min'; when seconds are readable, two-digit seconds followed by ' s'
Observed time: 3 h 03 min
